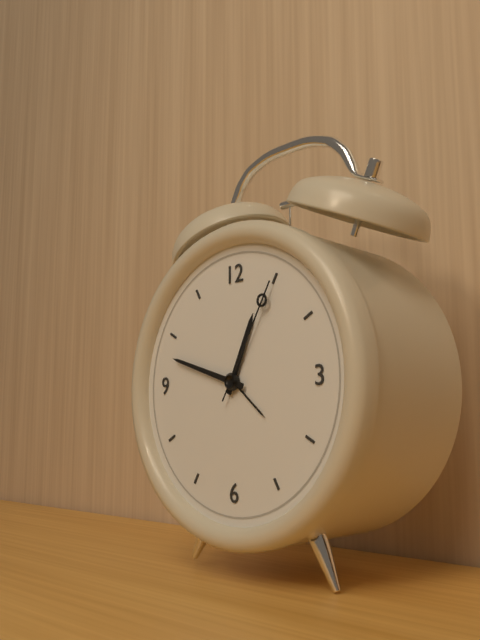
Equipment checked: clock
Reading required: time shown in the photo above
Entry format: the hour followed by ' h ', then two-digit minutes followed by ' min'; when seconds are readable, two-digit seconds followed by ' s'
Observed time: 12 h 48 min 05 s
